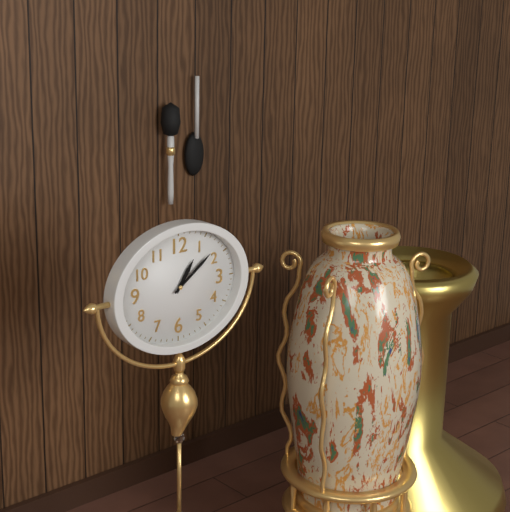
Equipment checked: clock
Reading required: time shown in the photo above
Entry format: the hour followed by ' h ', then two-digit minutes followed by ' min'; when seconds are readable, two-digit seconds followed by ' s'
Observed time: 1 h 09 min
